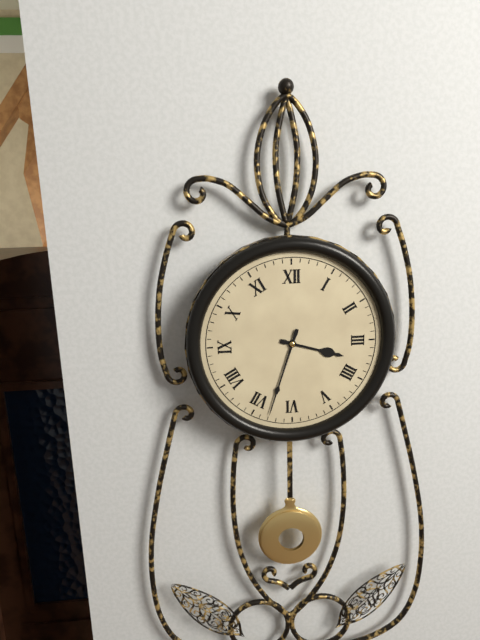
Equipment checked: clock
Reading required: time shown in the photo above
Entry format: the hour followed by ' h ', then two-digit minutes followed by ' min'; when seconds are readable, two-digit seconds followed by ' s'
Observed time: 3 h 33 min
